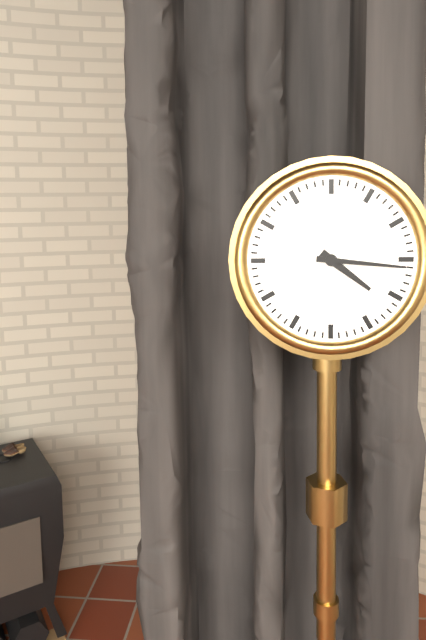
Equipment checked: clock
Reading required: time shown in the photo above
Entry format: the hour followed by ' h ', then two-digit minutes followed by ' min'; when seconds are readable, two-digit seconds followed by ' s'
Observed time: 4 h 16 min
